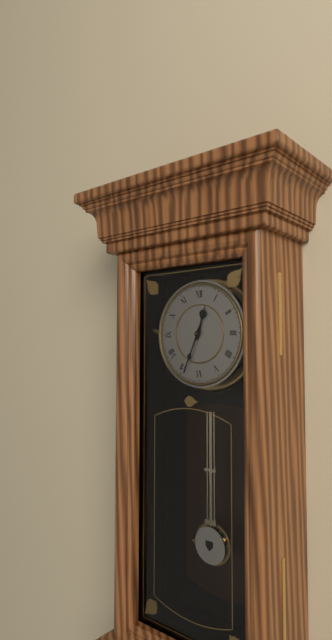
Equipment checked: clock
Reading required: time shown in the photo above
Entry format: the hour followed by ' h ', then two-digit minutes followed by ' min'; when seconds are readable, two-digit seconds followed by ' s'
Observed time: 12 h 34 min
